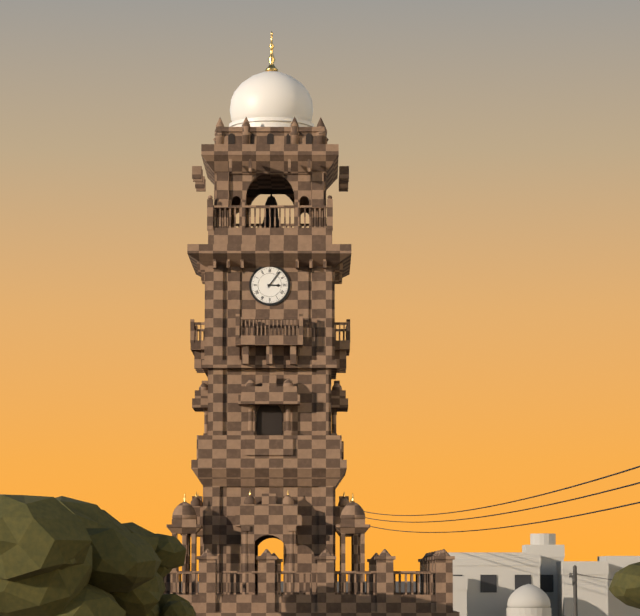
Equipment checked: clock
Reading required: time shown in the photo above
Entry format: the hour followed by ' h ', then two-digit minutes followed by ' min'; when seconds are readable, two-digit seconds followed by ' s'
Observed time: 3 h 06 min
